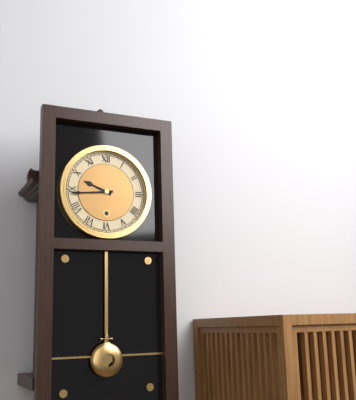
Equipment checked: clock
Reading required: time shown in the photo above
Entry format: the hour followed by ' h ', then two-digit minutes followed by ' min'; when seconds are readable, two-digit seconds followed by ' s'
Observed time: 9 h 44 min
